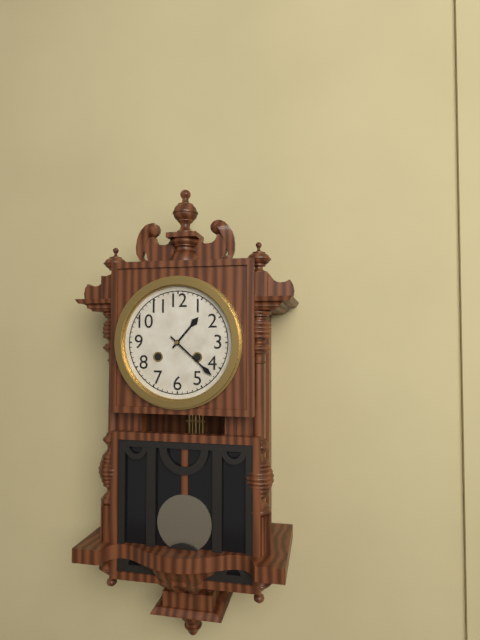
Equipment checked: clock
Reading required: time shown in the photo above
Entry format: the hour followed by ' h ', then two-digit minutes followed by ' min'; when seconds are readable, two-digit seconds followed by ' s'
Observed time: 1 h 22 min
